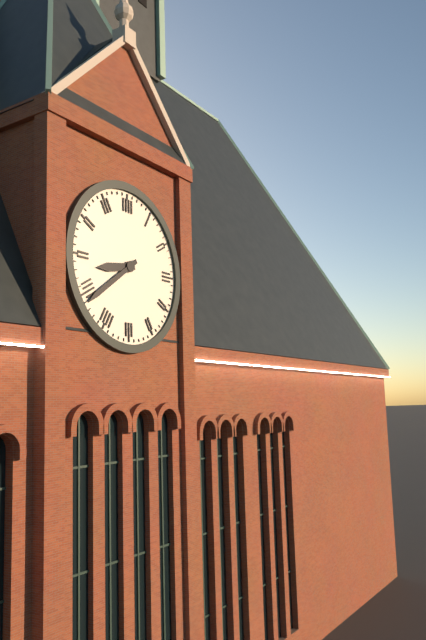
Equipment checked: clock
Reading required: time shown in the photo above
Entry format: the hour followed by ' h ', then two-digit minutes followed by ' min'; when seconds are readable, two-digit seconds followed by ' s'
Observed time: 8 h 39 min
